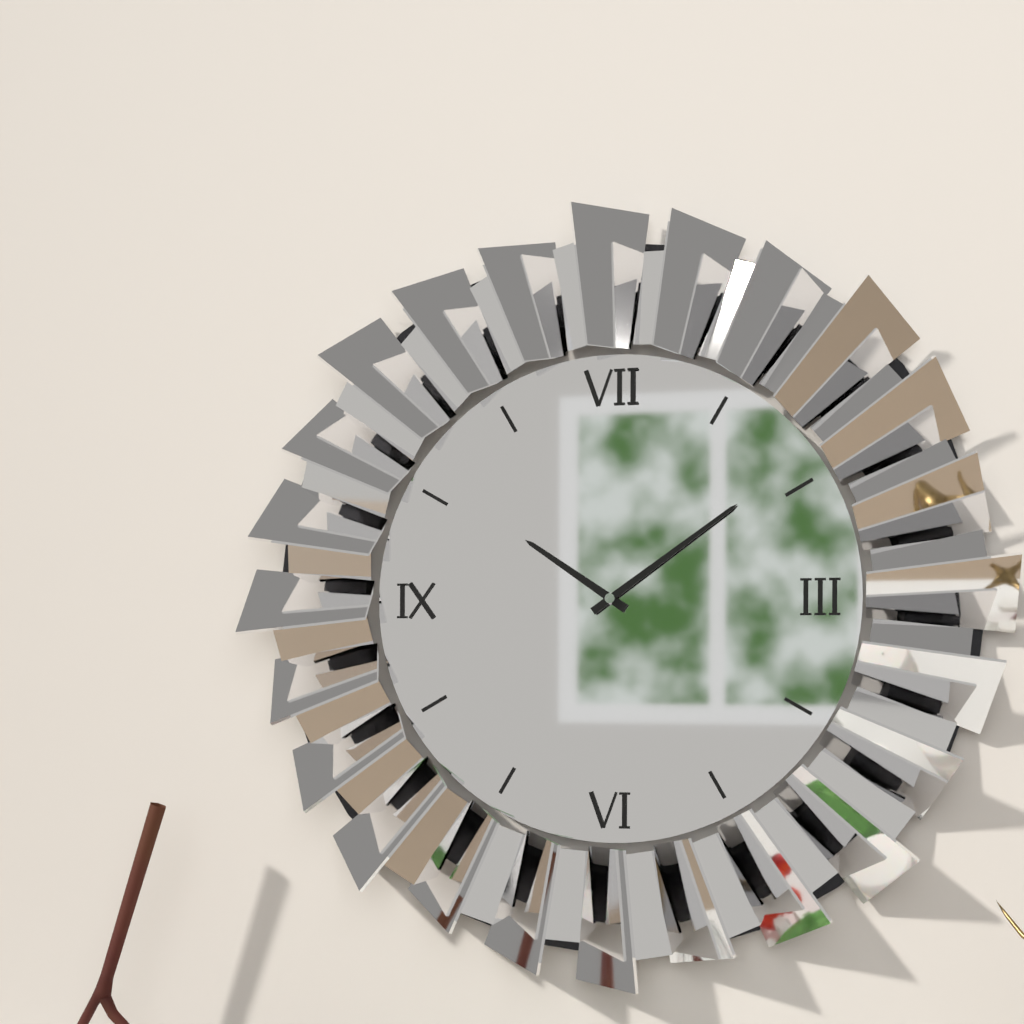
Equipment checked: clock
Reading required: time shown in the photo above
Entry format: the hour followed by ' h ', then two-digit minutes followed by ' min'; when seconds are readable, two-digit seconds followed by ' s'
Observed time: 10 h 09 min
